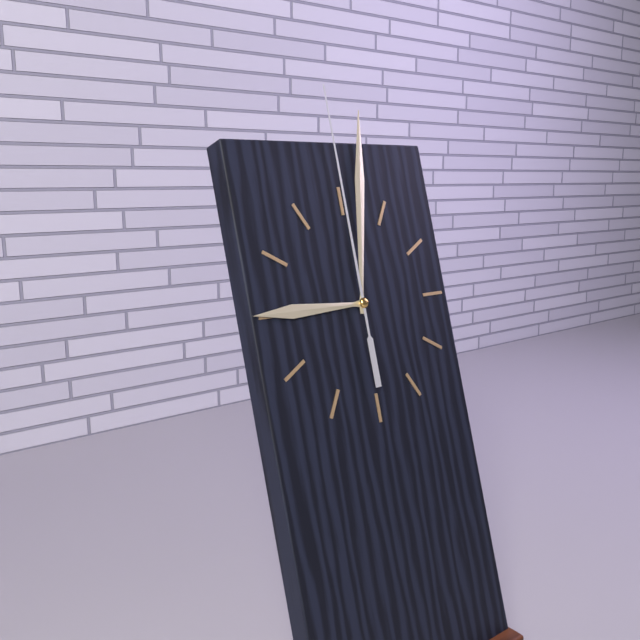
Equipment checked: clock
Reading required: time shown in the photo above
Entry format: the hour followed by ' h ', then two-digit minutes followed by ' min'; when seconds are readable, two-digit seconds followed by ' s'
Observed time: 9 h 02 min 00 s
